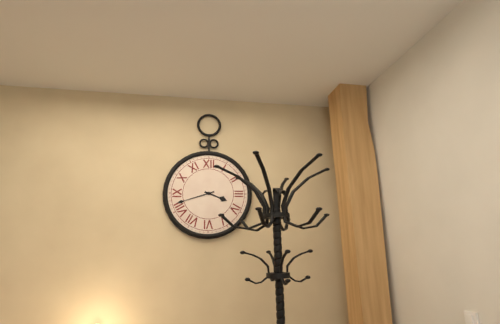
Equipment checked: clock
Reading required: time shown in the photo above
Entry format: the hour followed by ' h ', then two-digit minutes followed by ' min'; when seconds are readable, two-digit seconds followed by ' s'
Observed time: 3 h 42 min
